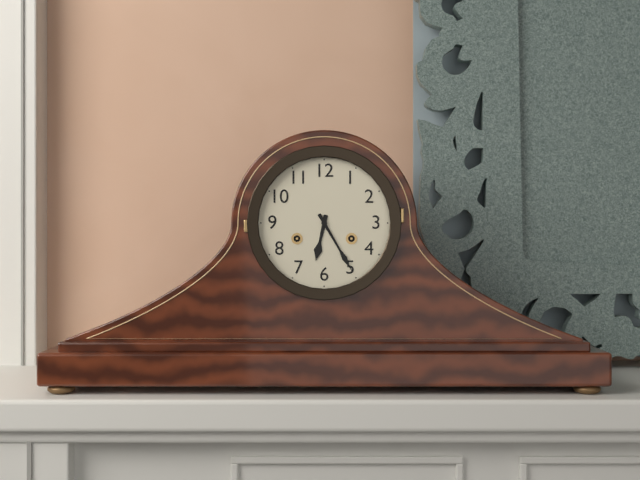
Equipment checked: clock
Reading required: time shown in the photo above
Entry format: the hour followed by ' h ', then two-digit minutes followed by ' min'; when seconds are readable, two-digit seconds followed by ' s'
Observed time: 6 h 25 min
